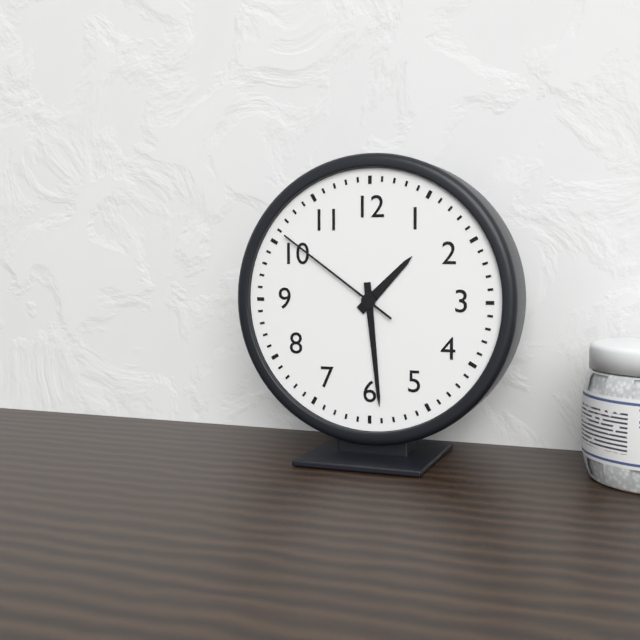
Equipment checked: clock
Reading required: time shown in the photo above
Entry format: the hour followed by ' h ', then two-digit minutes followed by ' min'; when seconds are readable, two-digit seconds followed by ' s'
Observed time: 1 h 29 min 51 s
